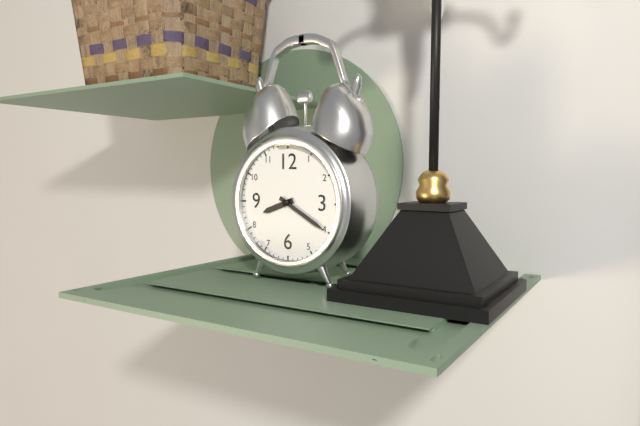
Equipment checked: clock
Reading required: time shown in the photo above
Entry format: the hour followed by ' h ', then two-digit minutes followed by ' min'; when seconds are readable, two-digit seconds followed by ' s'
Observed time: 8 h 20 min
